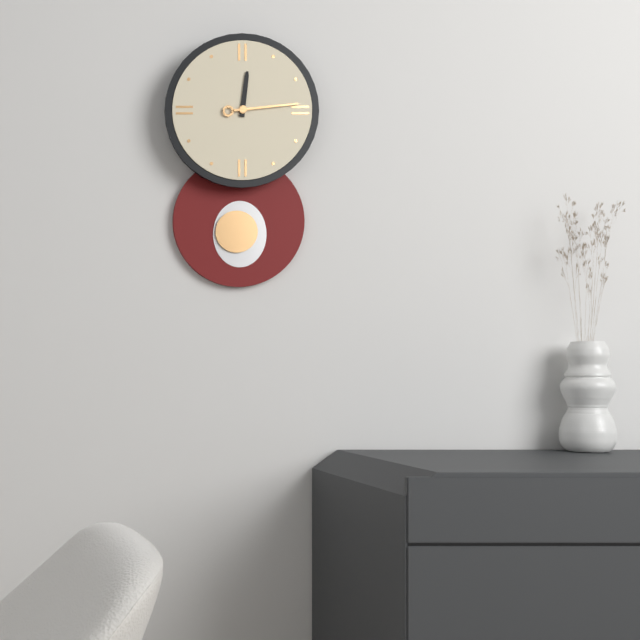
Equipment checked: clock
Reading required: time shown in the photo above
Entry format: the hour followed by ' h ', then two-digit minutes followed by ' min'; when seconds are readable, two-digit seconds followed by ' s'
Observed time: 12 h 14 min
